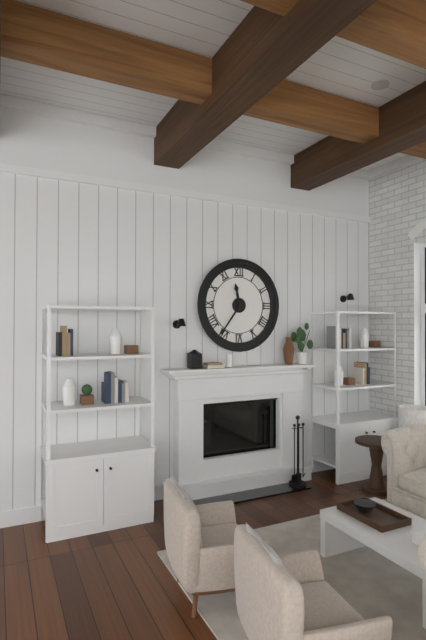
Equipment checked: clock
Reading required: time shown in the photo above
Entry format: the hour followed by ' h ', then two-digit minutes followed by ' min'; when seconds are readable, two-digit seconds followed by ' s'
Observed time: 11 h 36 min
